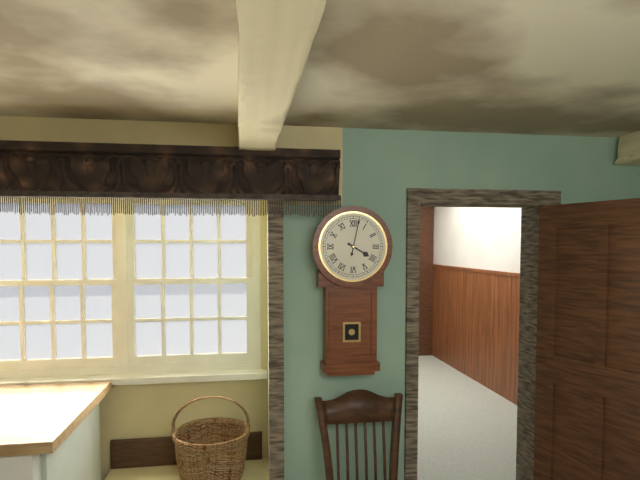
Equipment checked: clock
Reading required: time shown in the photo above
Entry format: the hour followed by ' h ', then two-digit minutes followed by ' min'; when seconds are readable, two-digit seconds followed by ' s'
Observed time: 4 h 02 min
